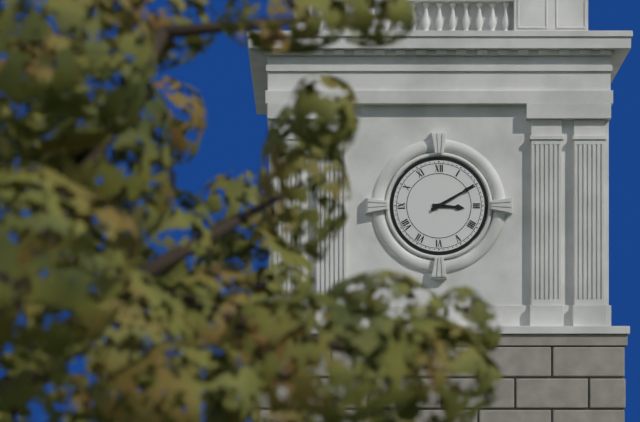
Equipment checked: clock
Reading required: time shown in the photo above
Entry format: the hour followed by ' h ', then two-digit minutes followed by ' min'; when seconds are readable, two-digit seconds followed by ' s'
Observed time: 3 h 10 min
